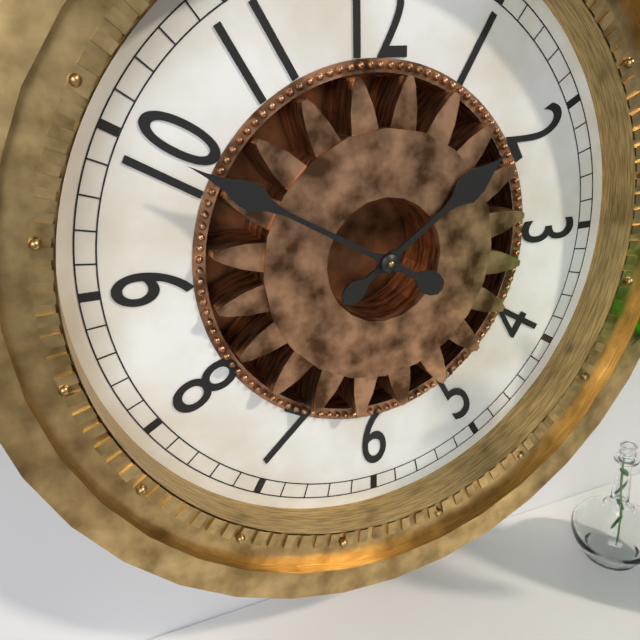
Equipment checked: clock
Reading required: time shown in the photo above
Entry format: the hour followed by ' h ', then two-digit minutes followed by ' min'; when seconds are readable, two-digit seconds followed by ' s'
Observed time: 1 h 50 min
